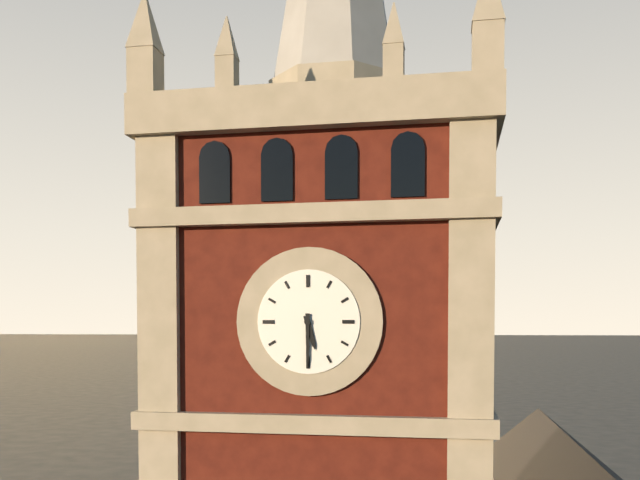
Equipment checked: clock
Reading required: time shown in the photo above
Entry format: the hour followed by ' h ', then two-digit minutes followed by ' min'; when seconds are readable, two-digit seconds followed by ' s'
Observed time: 5 h 30 min
